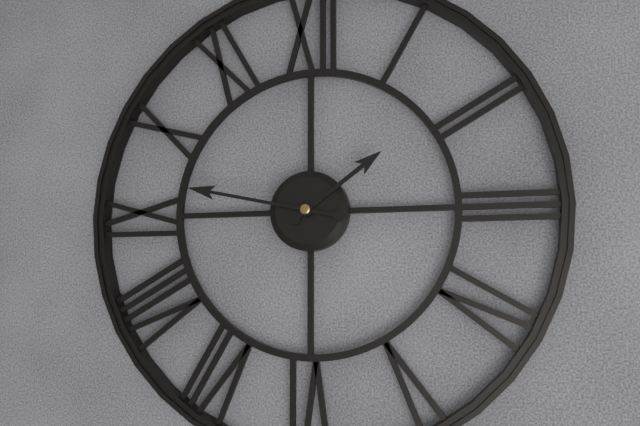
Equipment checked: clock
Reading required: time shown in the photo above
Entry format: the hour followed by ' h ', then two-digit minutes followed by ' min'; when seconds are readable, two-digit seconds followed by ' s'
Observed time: 1 h 47 min
